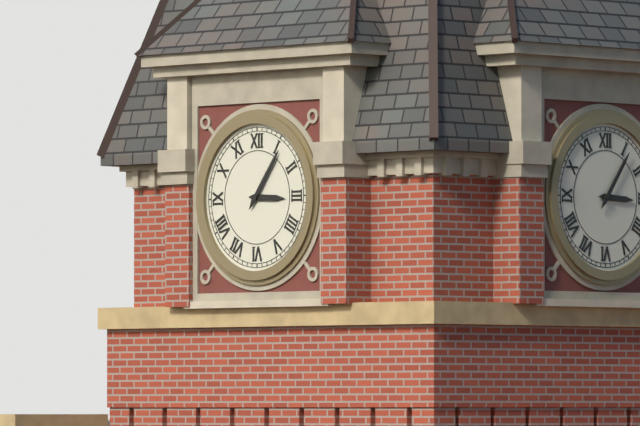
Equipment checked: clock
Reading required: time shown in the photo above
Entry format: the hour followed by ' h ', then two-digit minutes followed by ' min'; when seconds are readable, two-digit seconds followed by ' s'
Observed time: 3 h 06 min
